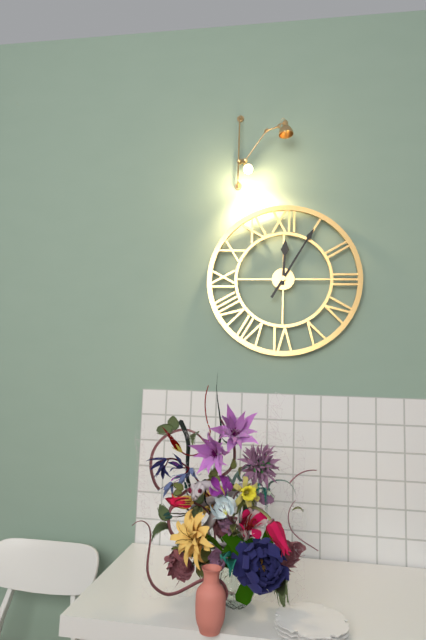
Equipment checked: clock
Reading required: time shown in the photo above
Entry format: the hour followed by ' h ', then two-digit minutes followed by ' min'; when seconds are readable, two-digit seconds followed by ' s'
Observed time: 12 h 05 min
